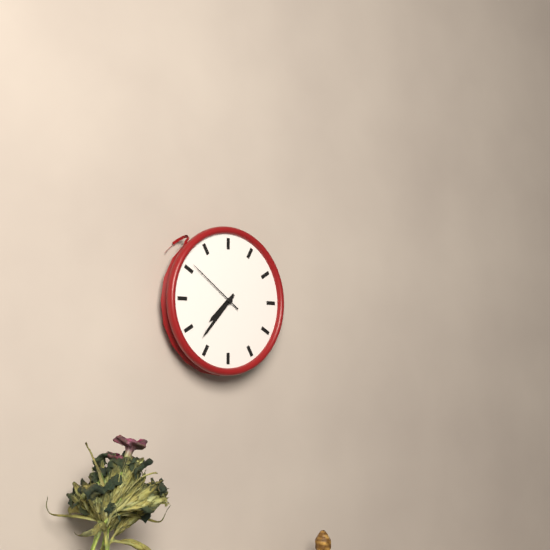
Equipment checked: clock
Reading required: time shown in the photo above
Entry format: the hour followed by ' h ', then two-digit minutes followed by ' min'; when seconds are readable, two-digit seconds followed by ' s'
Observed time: 7 h 37 min 51 s
